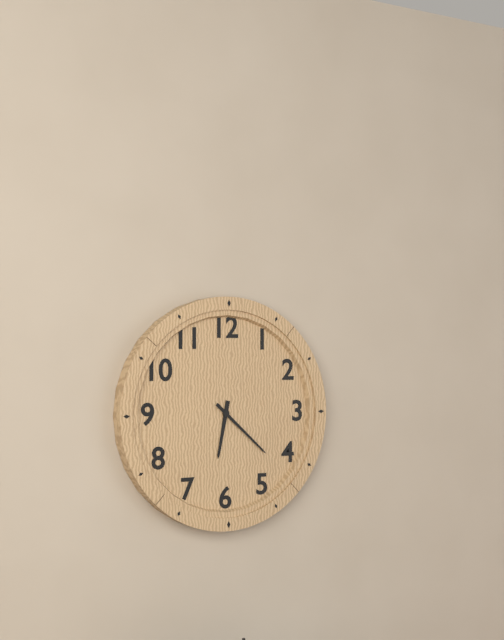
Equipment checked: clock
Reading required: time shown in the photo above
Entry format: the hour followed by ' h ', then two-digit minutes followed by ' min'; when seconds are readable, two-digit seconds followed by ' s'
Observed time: 6 h 22 min
